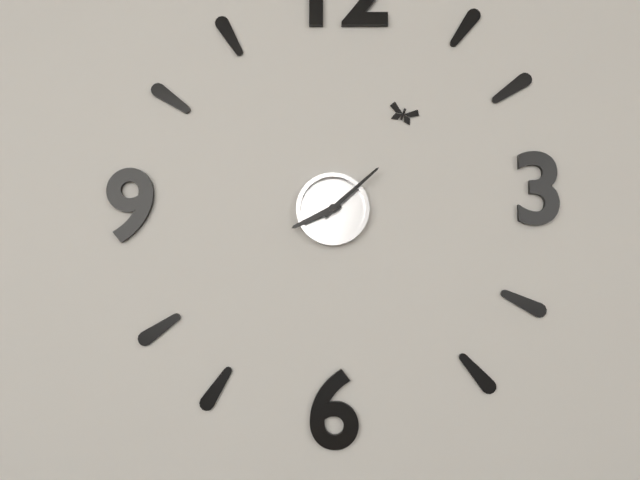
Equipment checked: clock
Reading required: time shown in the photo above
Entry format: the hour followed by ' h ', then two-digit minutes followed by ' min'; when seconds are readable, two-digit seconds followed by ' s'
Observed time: 8 h 08 min
